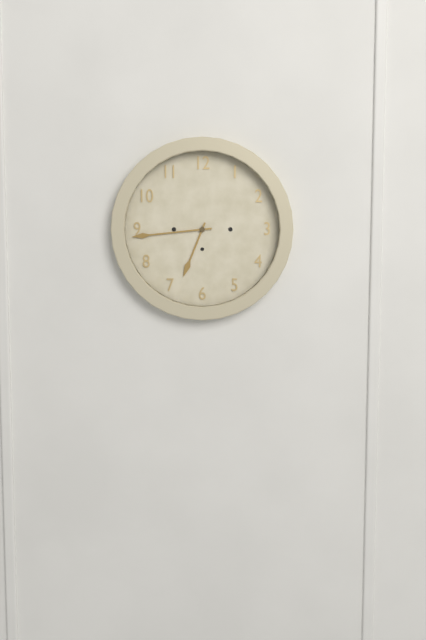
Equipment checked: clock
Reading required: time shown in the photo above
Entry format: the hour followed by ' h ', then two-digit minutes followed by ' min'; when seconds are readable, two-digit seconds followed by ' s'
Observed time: 6 h 44 min
